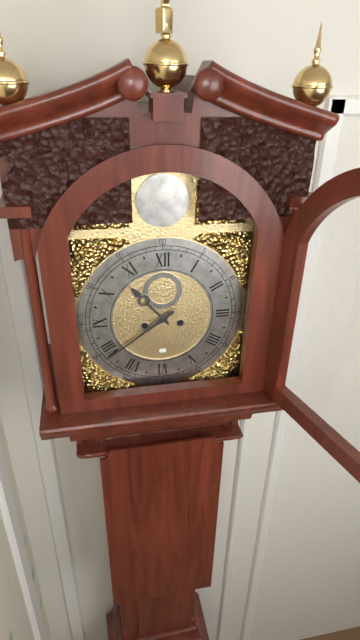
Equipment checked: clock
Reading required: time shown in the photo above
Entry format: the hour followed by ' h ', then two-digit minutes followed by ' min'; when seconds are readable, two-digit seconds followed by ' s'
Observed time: 10 h 39 min
